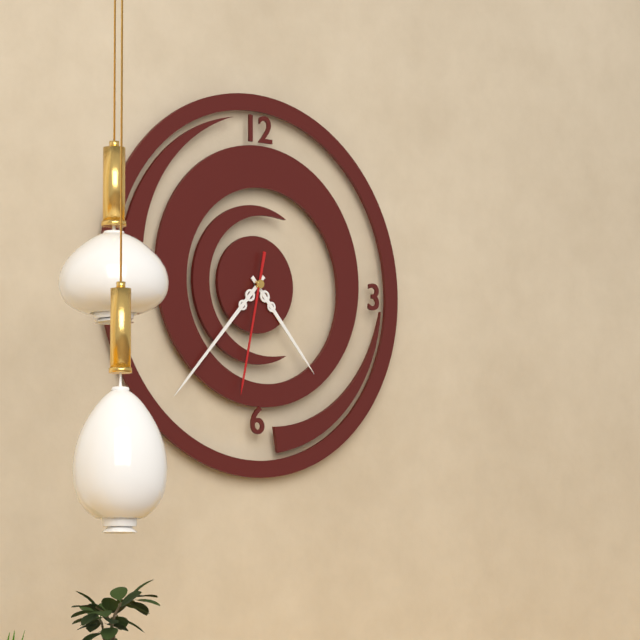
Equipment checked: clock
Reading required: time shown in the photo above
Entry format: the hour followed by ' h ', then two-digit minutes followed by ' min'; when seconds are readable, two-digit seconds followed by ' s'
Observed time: 4 h 37 min 32 s
